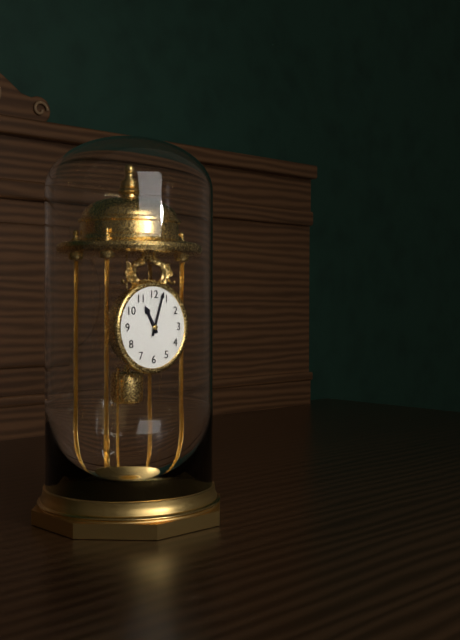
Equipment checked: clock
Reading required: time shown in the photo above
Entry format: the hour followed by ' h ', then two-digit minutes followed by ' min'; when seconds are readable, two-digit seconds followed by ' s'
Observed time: 11 h 03 min
